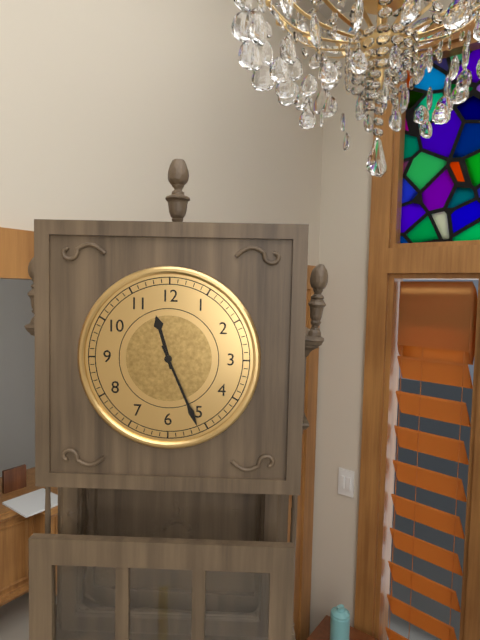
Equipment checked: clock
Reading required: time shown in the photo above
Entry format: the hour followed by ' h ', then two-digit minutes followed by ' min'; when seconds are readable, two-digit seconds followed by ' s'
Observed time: 11 h 26 min
